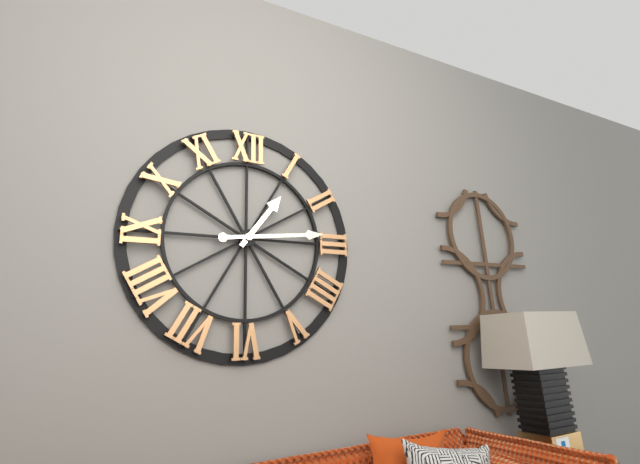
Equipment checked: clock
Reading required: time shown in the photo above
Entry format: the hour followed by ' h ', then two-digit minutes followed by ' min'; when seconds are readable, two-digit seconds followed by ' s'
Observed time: 1 h 14 min
